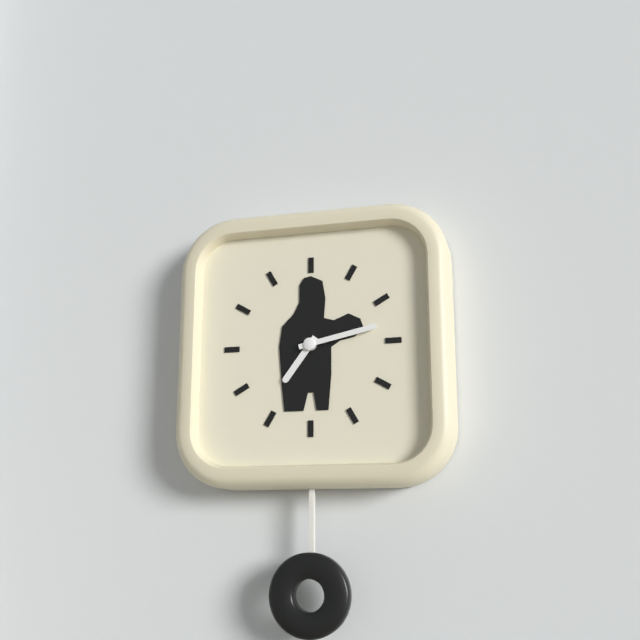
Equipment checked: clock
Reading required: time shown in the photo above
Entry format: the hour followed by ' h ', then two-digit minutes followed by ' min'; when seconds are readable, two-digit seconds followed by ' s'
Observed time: 7 h 13 min
